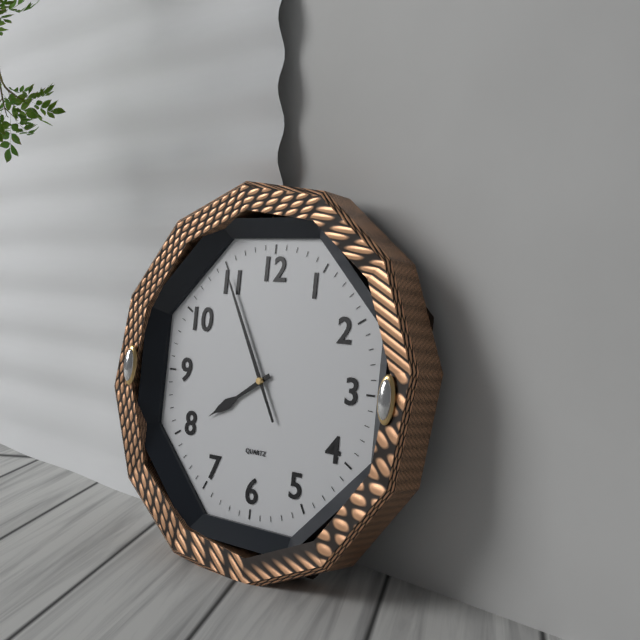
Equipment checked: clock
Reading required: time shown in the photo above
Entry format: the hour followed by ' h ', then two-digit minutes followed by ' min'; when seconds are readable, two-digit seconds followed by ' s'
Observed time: 7 h 55 min
